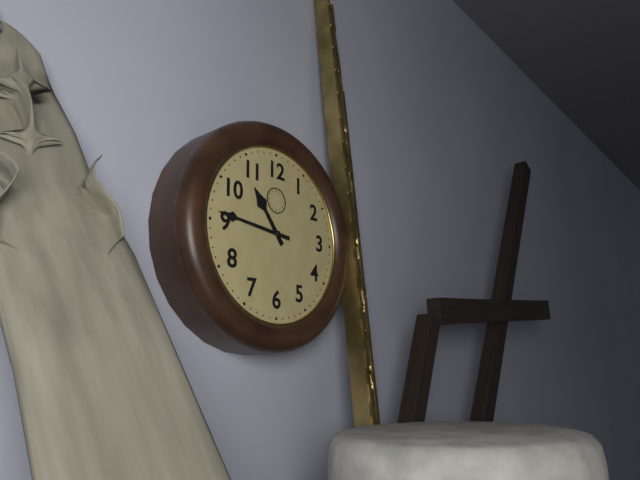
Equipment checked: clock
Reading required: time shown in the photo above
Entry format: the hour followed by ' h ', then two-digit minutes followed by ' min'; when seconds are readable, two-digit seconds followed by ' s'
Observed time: 10 h 46 min
